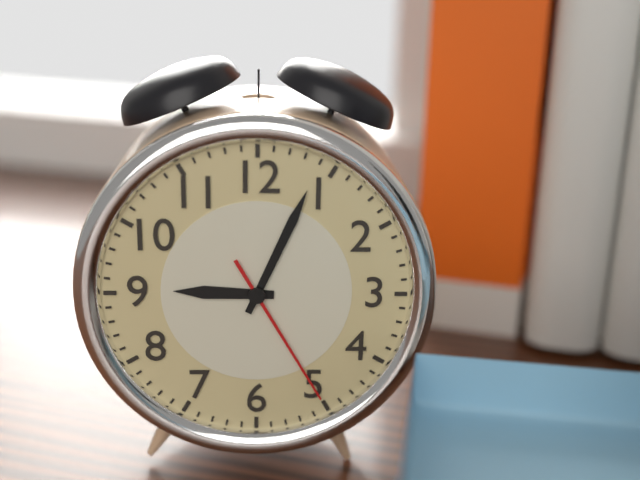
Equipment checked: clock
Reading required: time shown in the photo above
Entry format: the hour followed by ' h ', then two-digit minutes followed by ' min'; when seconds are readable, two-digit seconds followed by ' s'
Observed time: 9 h 04 min 25 s
